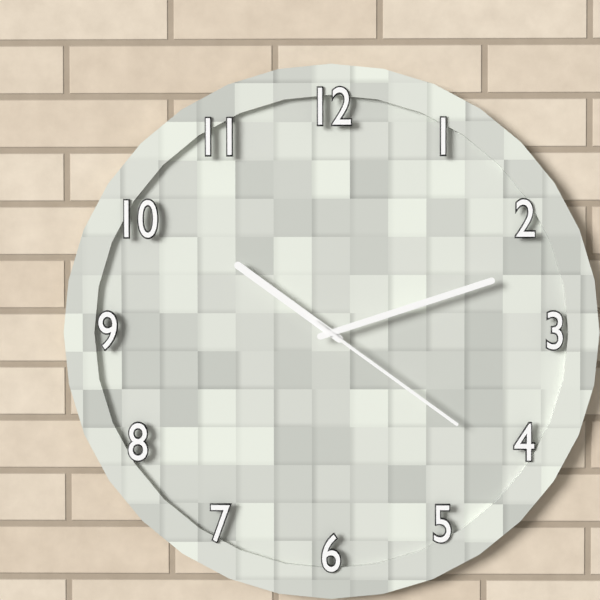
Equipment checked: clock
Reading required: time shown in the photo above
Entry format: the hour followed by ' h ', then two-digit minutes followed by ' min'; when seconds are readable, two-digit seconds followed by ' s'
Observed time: 10 h 12 min 21 s
